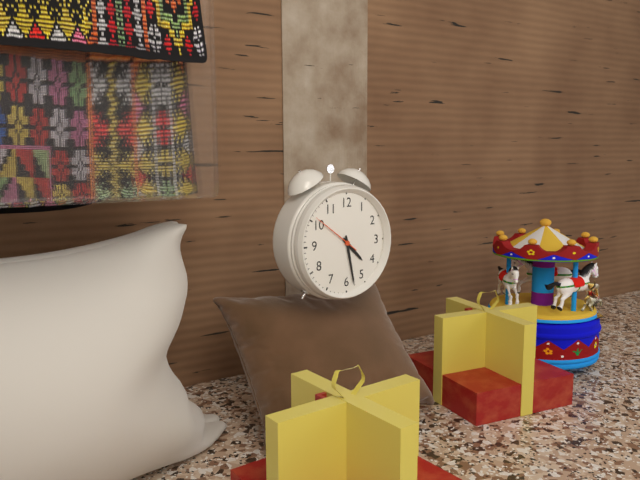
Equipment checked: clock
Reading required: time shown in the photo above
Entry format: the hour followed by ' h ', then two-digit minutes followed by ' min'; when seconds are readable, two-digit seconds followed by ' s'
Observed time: 4 h 28 min 51 s
